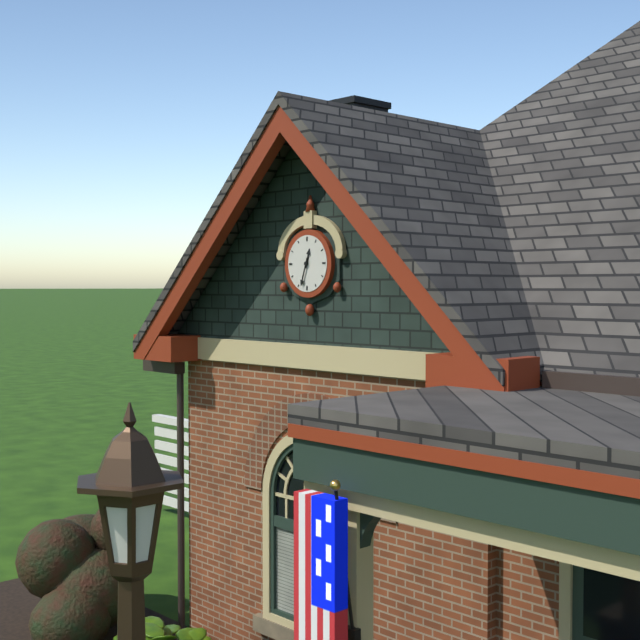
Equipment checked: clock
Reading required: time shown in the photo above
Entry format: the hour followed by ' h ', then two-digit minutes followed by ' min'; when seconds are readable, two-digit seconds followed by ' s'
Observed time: 12 h 33 min
